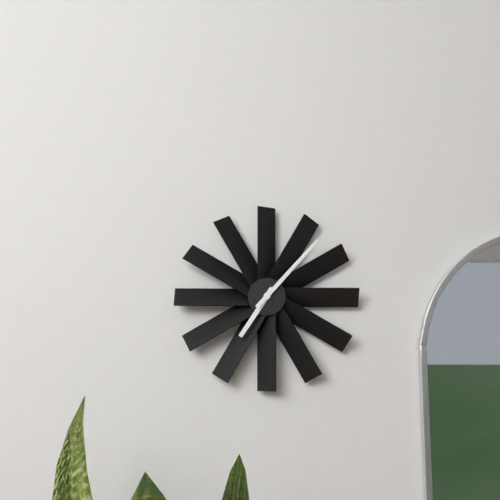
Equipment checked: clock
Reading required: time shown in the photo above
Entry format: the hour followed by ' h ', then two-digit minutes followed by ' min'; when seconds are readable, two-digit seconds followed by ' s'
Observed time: 7 h 07 min
